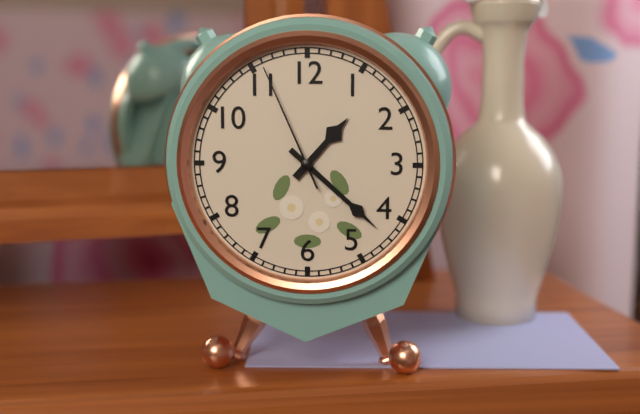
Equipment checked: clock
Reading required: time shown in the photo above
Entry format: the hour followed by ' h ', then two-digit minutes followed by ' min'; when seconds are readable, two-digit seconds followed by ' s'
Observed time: 1 h 22 min 56 s
